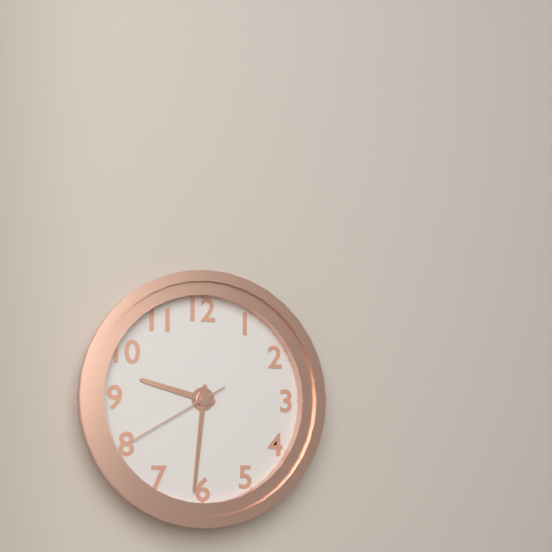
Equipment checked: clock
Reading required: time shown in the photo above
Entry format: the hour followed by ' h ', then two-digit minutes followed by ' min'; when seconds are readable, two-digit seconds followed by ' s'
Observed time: 9 h 31 min 40 s
